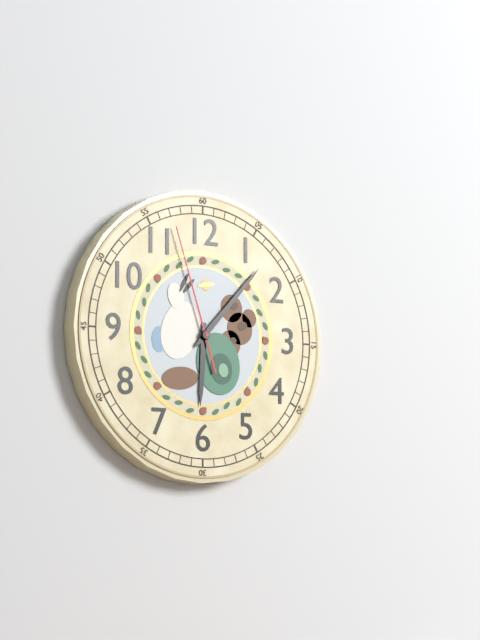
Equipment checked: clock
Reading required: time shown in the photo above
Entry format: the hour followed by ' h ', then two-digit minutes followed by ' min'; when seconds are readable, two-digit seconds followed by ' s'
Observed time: 6 h 07 min 57 s
